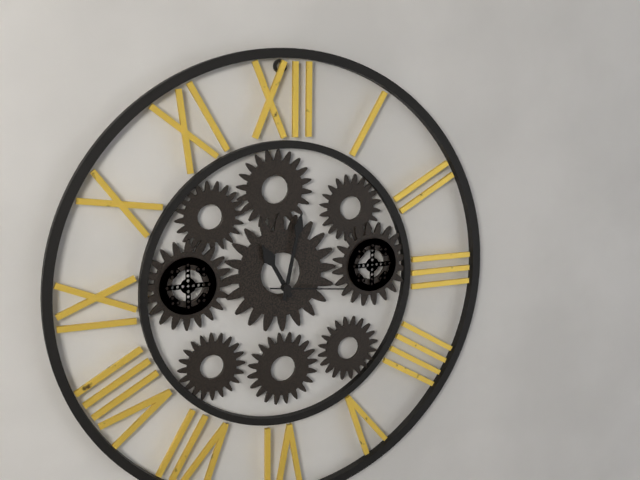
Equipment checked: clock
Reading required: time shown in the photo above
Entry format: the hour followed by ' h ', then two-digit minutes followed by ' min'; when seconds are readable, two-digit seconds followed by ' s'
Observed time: 11 h 02 min 16 s
